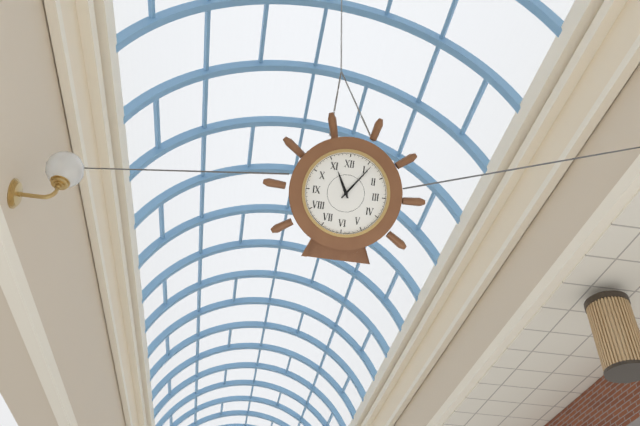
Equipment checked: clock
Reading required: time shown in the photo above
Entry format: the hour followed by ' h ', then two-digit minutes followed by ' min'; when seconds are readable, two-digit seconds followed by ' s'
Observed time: 11 h 06 min
